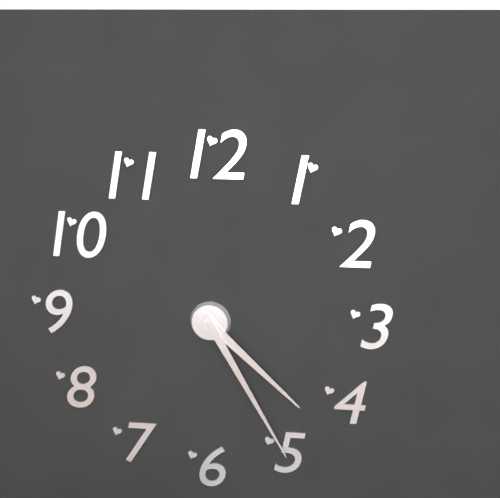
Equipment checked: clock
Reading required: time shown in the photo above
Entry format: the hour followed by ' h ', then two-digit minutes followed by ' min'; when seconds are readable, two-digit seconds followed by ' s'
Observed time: 4 h 25 min
